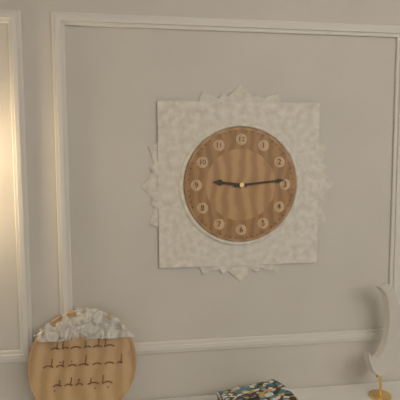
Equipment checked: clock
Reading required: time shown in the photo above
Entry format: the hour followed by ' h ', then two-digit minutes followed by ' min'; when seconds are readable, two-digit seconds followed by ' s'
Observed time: 9 h 14 min
